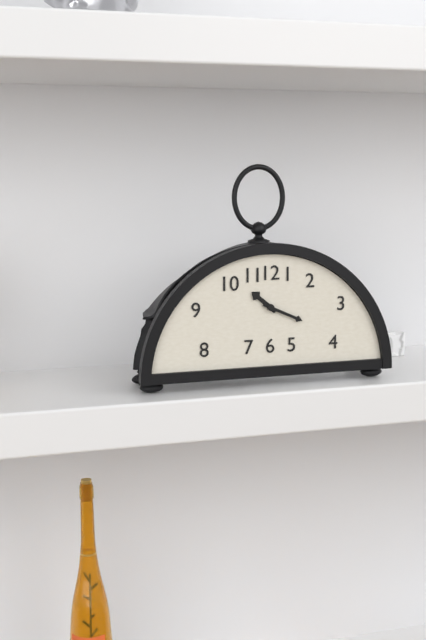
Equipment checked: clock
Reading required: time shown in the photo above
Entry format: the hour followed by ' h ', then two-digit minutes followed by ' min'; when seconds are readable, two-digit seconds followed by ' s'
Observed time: 10 h 19 min
